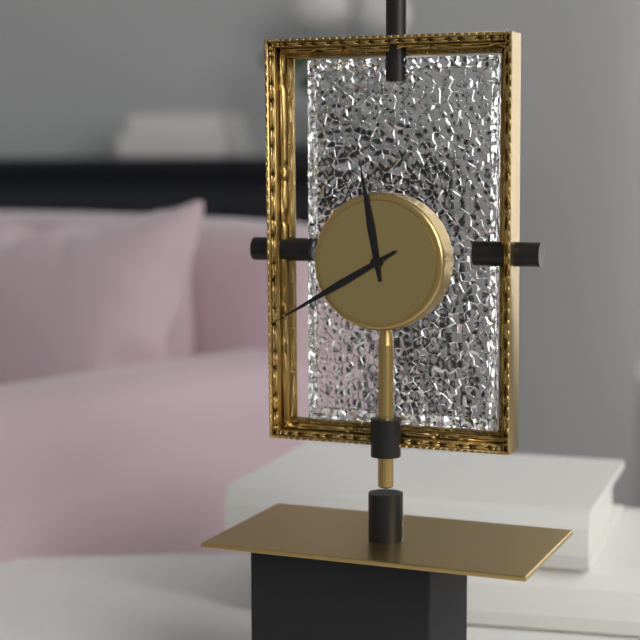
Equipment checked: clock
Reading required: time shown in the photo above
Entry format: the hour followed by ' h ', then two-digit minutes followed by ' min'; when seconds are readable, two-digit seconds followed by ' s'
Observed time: 11 h 40 min
